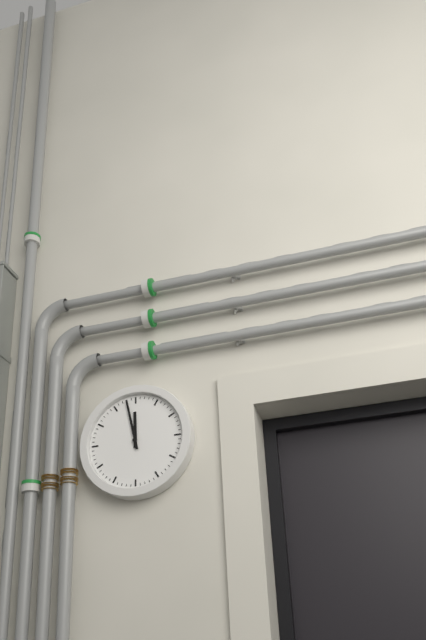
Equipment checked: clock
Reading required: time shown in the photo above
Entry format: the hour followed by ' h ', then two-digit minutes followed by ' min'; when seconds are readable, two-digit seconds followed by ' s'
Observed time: 11 h 58 min
